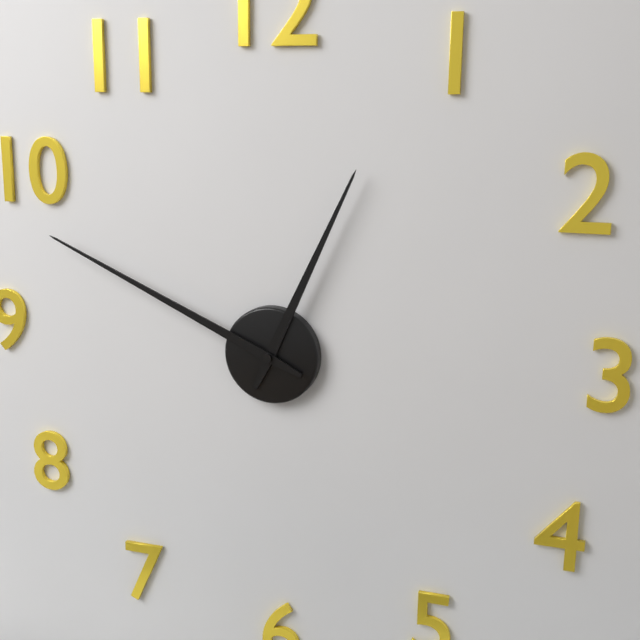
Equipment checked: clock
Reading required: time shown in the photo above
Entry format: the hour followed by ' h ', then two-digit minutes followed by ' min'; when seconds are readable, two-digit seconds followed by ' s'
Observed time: 12 h 49 min
